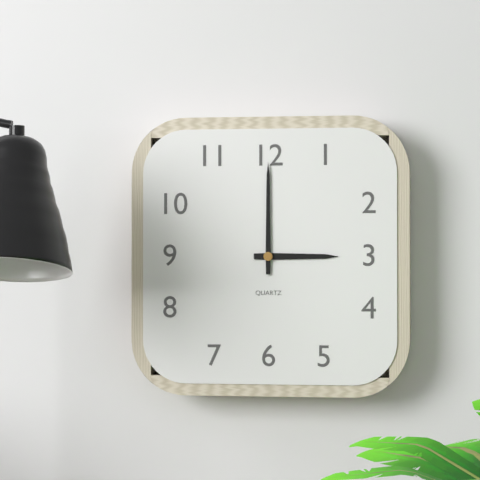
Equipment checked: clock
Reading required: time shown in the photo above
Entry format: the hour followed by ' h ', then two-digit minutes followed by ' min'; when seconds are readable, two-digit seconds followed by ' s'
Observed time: 3 h 00 min
